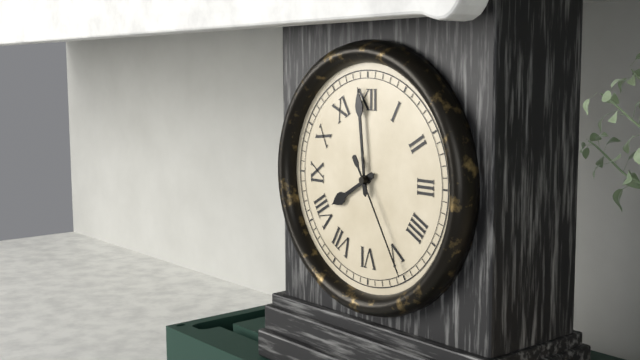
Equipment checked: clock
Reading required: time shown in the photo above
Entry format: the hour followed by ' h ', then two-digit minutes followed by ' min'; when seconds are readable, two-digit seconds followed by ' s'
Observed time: 7 h 59 min 25 s
